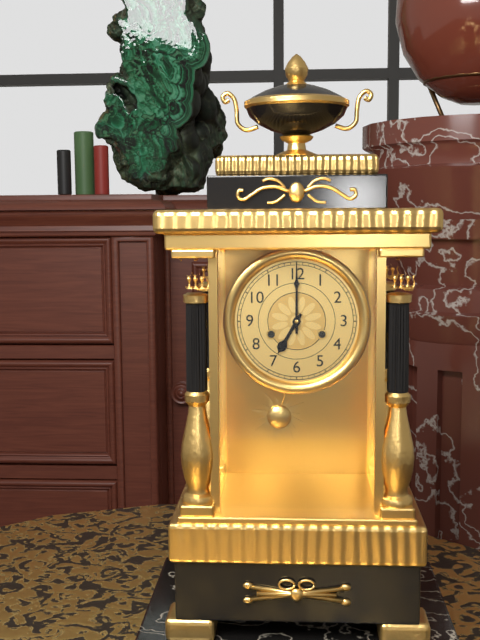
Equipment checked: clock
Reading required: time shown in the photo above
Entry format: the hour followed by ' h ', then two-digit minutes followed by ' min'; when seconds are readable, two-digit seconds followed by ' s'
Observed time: 7 h 00 min
